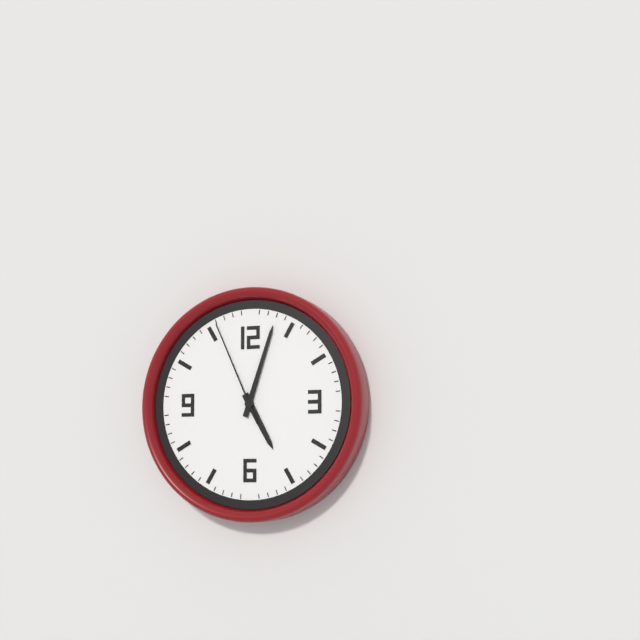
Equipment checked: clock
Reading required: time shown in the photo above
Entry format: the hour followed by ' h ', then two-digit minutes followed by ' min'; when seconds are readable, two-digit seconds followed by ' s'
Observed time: 5 h 03 min 56 s
